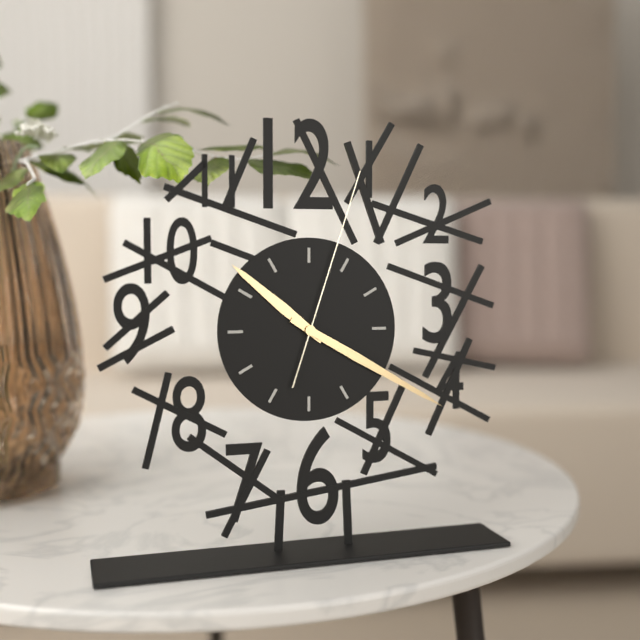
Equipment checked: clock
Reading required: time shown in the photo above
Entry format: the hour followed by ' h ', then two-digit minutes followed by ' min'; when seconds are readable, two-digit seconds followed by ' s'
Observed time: 10 h 20 min 03 s
